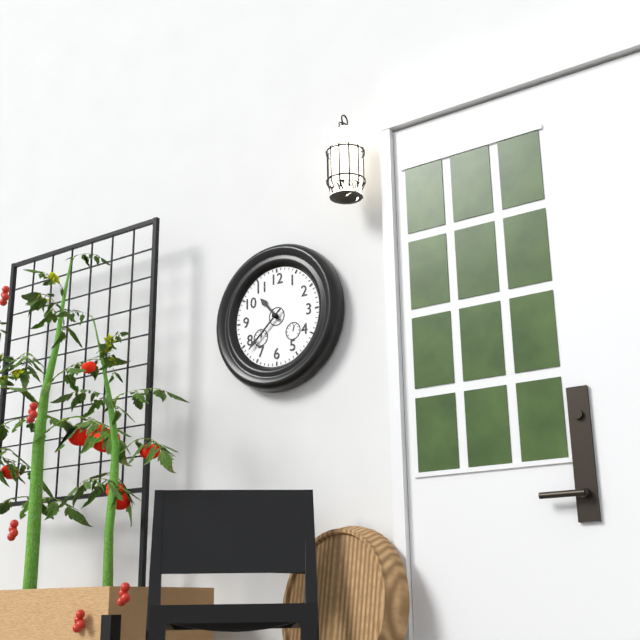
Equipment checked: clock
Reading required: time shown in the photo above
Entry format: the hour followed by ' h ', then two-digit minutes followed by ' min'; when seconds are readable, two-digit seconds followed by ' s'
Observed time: 10 h 38 min
